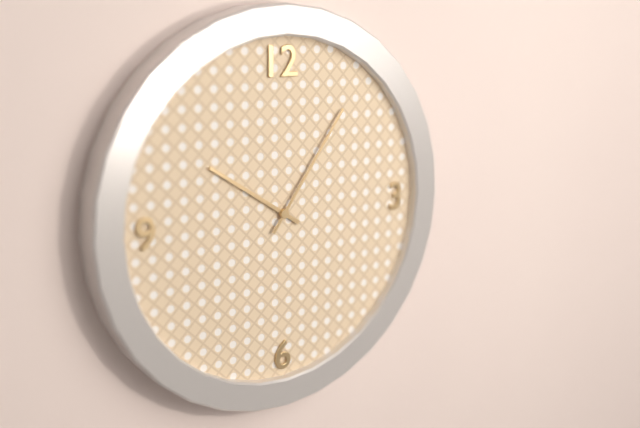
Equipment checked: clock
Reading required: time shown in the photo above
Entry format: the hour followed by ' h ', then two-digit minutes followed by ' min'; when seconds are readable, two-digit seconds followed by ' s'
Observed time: 10 h 06 min
